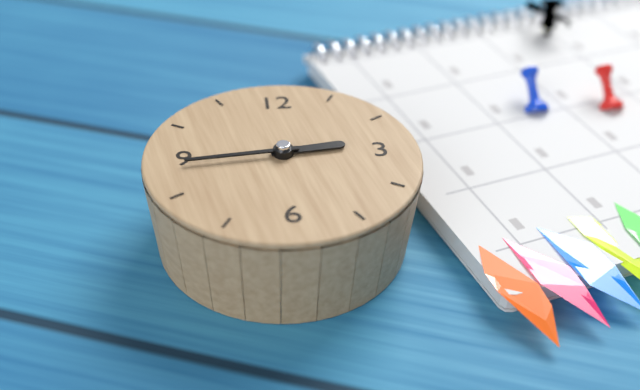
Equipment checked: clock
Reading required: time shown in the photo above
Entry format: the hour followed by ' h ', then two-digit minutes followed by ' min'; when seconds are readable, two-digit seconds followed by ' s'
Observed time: 2 h 44 min
